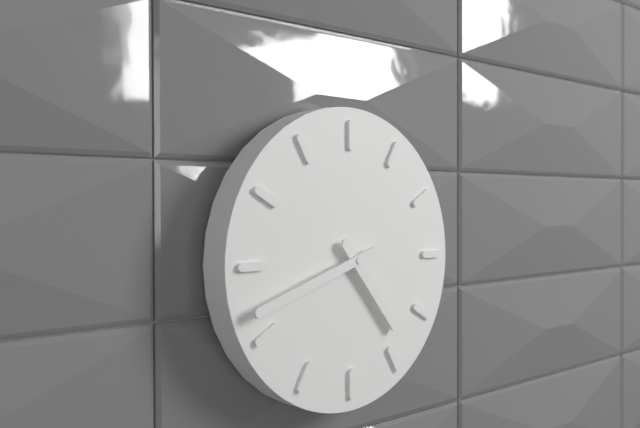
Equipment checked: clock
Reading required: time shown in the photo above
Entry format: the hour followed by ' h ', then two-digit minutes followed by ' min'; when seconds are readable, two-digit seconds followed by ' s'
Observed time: 4 h 42 min
